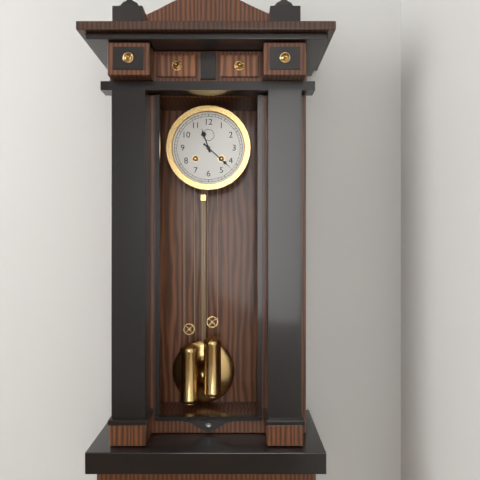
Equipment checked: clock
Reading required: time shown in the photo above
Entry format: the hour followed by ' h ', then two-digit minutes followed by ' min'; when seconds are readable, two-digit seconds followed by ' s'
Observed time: 11 h 22 min
